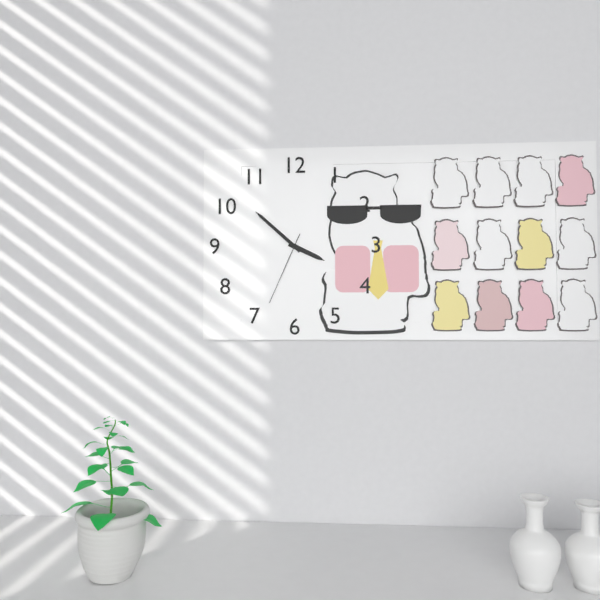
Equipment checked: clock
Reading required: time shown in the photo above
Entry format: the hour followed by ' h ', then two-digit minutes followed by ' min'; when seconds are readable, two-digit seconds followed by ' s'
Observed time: 3 h 52 min 34 s
